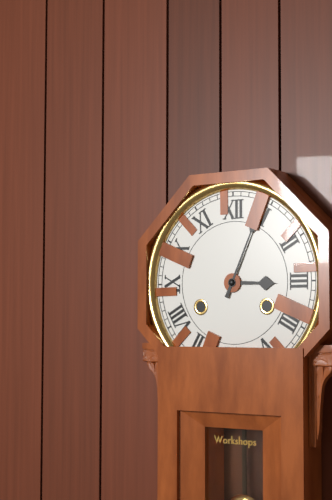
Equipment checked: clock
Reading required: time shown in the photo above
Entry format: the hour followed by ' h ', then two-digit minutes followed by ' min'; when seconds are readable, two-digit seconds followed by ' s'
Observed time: 3 h 04 min
